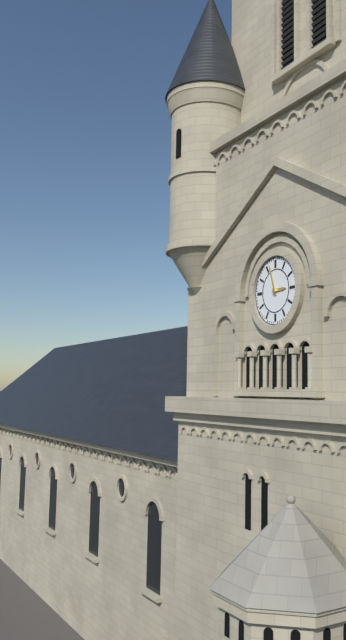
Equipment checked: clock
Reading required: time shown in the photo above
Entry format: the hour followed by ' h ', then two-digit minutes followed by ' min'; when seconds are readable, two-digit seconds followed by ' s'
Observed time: 2 h 57 min
